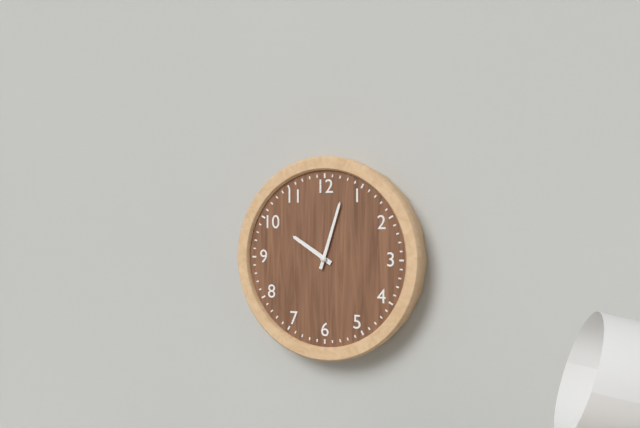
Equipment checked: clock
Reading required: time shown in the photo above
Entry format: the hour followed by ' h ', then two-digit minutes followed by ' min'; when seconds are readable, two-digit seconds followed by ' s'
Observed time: 10 h 03 min
